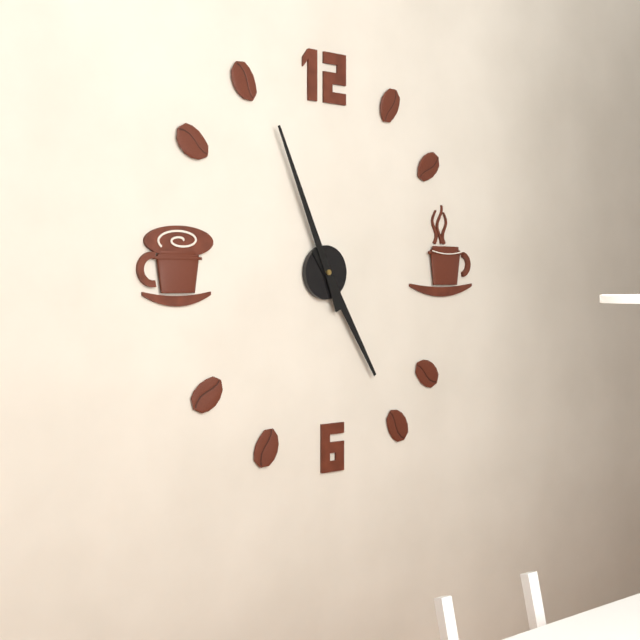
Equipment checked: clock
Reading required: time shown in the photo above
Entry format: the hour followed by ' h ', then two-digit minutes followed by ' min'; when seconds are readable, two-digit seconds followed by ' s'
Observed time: 4 h 56 min
